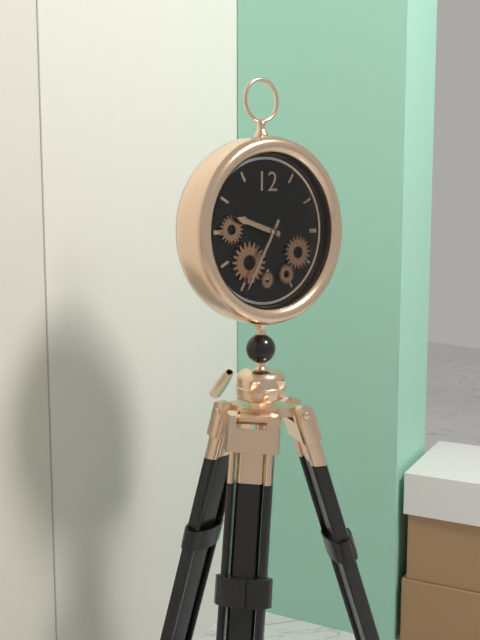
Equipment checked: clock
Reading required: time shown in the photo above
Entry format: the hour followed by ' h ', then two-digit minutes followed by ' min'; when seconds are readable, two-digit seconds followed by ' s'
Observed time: 9 h 35 min
